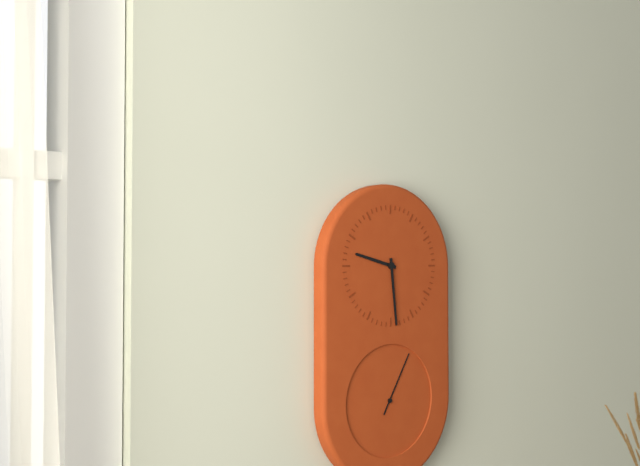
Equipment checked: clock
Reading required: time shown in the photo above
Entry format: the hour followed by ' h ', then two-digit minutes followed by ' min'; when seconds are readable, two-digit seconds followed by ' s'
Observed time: 9 h 29 min 05 s
